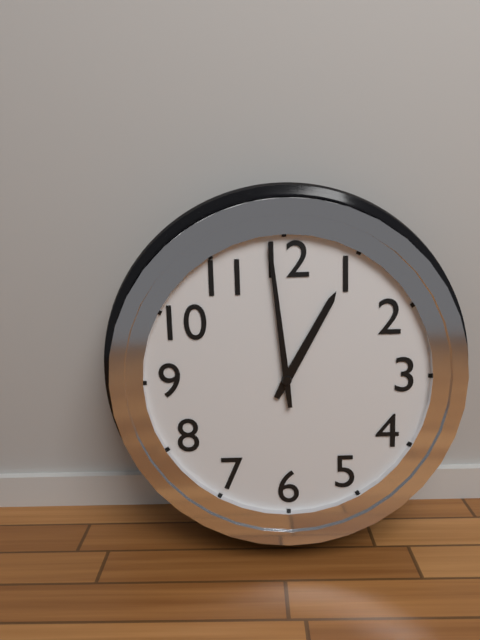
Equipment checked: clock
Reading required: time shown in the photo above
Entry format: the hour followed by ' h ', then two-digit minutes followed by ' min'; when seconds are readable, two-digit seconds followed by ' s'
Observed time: 12 h 59 min
